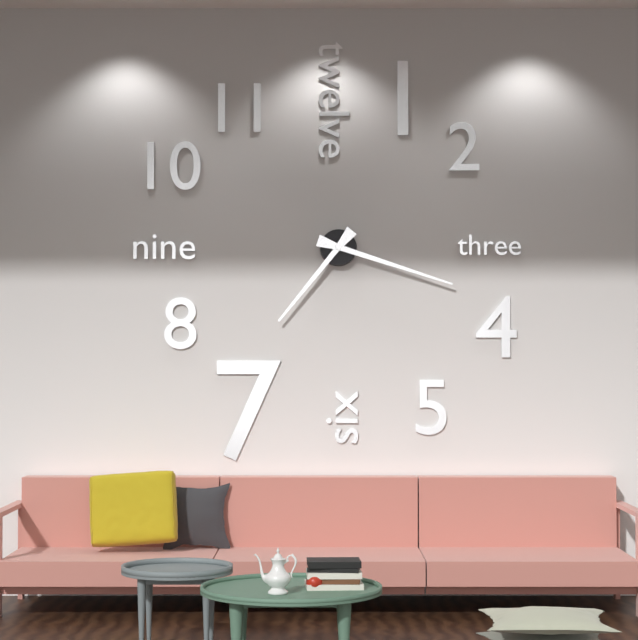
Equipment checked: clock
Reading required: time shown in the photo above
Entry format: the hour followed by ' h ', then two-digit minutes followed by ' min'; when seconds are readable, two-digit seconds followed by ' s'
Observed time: 7 h 18 min
